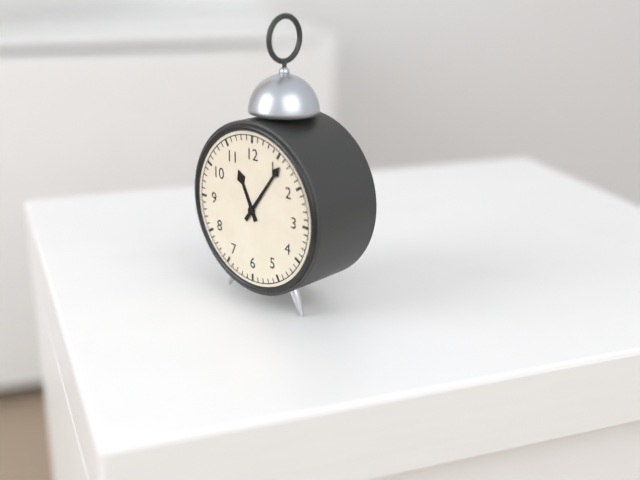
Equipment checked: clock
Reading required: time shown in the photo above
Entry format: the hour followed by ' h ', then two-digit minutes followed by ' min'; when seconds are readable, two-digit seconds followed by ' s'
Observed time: 11 h 06 min
